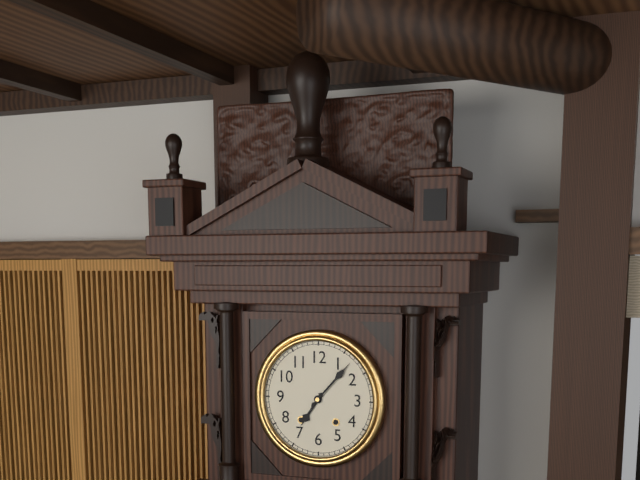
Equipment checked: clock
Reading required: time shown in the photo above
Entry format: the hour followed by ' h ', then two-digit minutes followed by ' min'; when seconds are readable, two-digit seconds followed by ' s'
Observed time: 7 h 07 min
